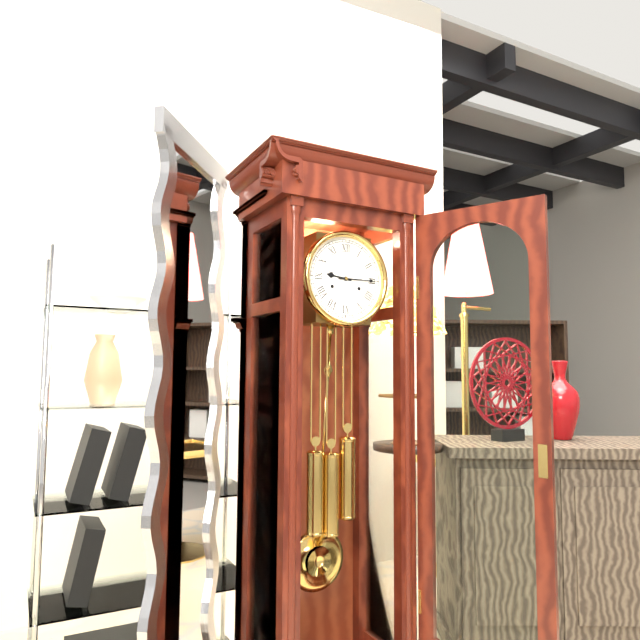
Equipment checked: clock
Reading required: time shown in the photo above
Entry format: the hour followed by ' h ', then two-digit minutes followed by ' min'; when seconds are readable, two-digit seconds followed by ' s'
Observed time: 9 h 15 min
